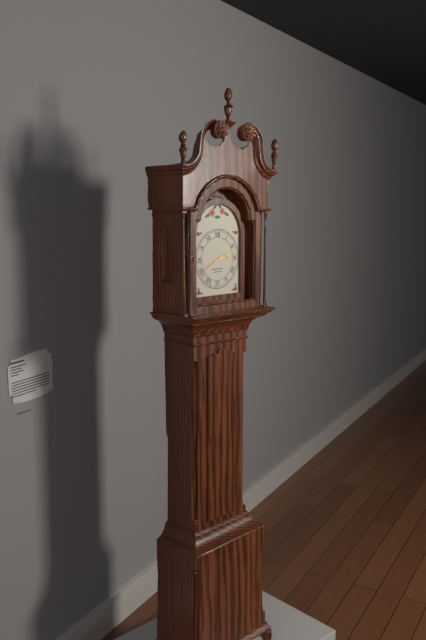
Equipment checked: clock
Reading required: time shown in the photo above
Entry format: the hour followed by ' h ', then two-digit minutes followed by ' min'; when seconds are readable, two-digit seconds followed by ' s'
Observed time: 2 h 40 min
